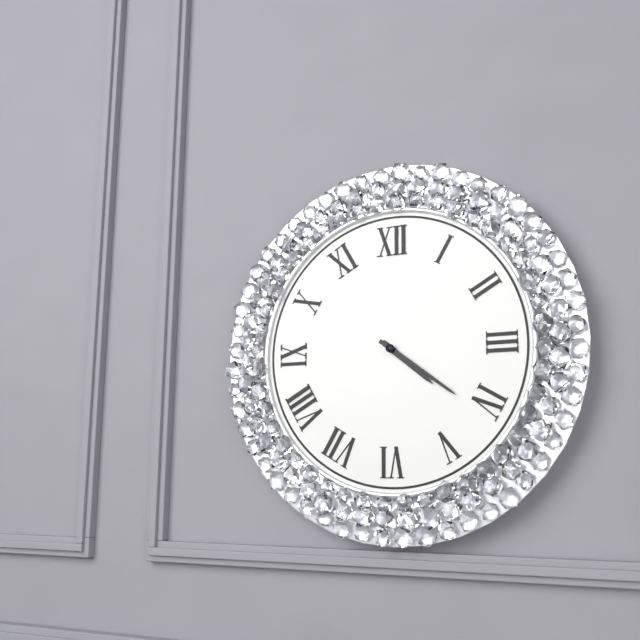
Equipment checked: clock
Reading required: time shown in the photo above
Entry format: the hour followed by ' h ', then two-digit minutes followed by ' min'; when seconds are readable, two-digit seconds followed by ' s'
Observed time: 4 h 21 min
